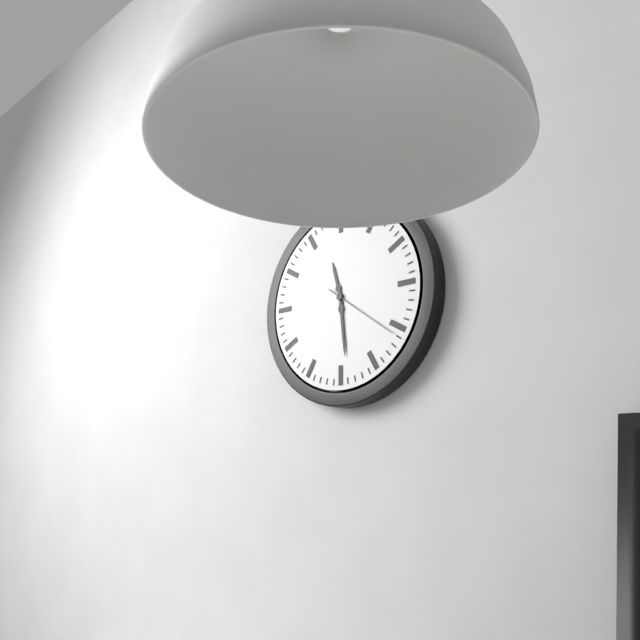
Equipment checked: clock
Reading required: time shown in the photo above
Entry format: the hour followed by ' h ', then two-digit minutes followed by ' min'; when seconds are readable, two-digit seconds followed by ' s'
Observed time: 11 h 29 min 21 s
